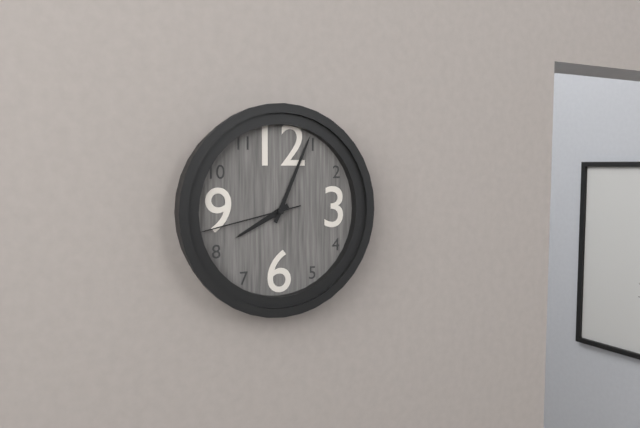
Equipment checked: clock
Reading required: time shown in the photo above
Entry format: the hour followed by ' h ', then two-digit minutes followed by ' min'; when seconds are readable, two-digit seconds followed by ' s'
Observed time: 8 h 04 min 43 s
